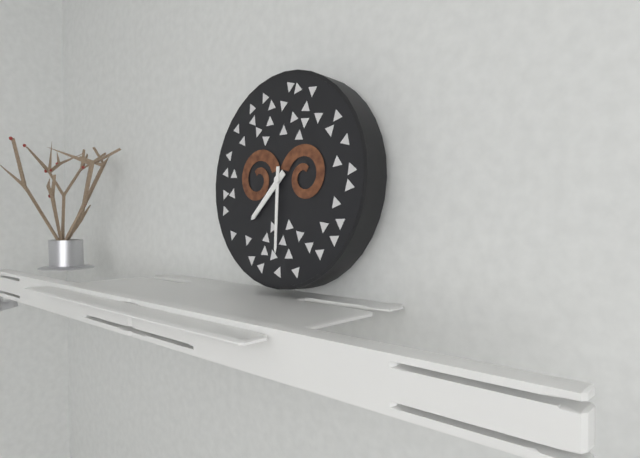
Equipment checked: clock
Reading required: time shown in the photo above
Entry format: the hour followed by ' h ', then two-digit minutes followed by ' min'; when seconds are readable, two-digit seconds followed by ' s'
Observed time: 7 h 30 min
